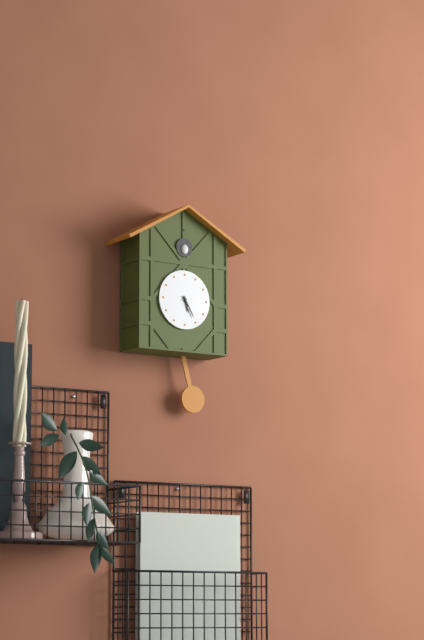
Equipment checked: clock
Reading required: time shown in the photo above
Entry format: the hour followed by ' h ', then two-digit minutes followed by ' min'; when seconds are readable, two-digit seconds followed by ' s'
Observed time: 5 h 25 min
